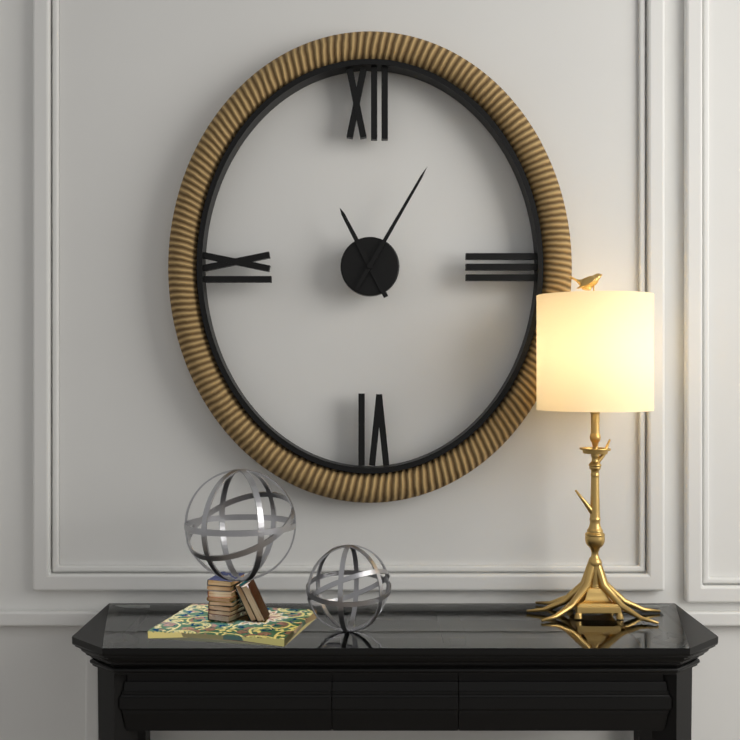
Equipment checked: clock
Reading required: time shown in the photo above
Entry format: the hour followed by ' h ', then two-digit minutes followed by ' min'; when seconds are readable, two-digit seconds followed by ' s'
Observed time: 11 h 05 min
